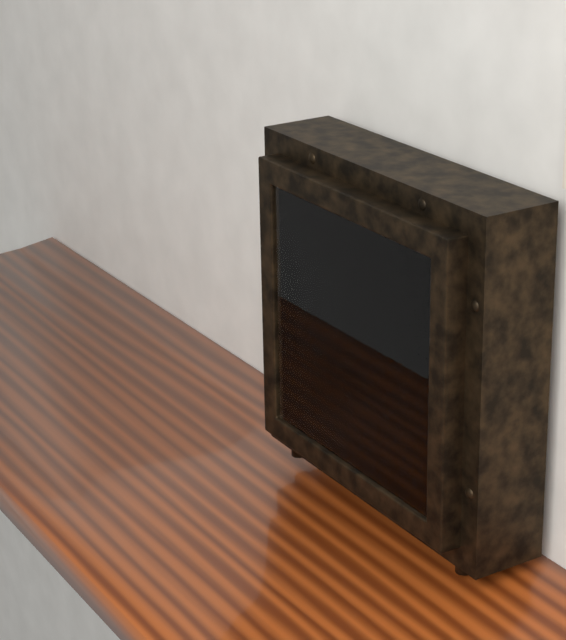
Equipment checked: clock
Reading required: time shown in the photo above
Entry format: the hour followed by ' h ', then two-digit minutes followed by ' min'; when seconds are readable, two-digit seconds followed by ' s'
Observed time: 12 h 42 min
